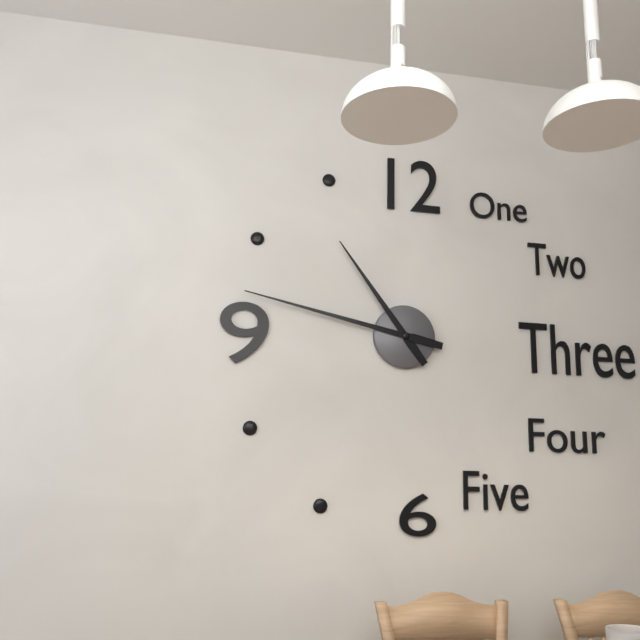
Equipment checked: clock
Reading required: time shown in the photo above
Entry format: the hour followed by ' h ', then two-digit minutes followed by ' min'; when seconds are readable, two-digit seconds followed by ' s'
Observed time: 10 h 47 min
